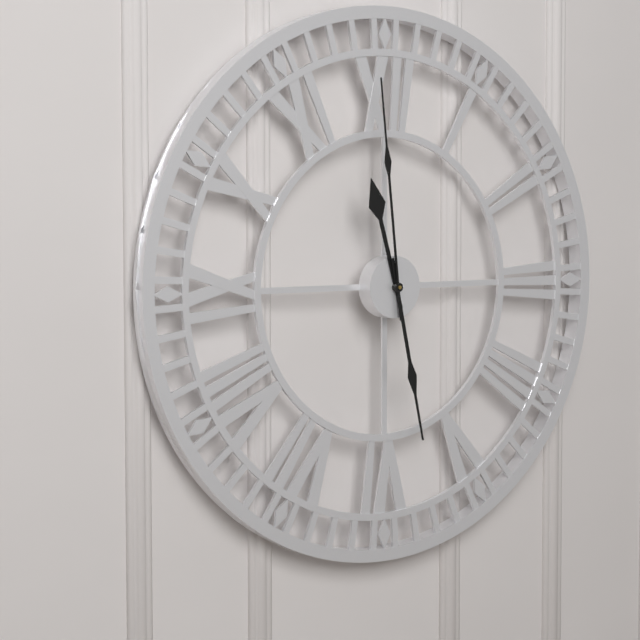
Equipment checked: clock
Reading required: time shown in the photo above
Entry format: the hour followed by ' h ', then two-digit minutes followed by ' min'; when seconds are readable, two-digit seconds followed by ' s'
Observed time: 11 h 28 min 59 s
